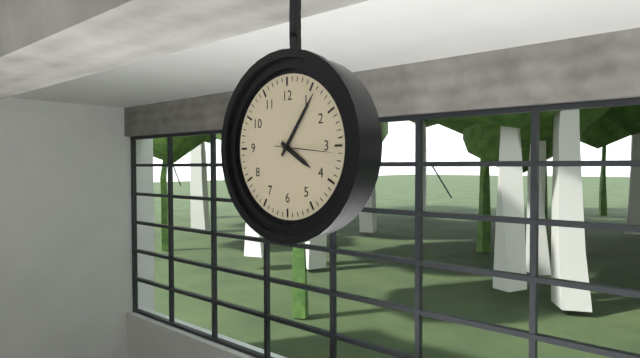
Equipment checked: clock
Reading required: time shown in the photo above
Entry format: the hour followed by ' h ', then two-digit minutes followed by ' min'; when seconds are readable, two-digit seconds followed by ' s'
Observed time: 4 h 06 min 16 s
